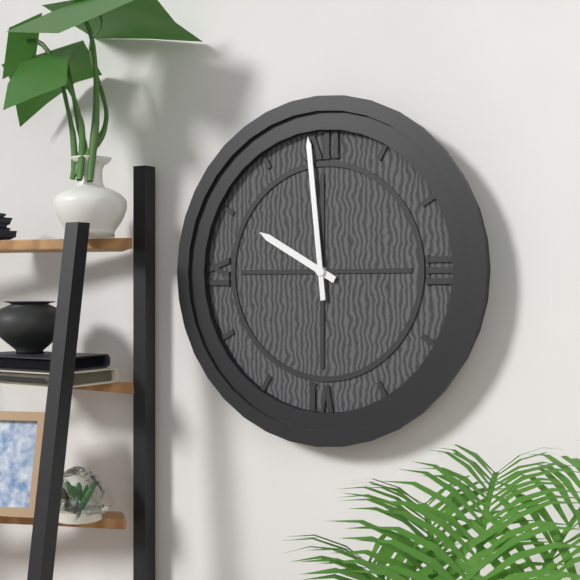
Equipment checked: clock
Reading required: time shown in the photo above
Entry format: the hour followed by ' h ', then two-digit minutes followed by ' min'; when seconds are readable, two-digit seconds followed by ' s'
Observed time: 9 h 59 min
